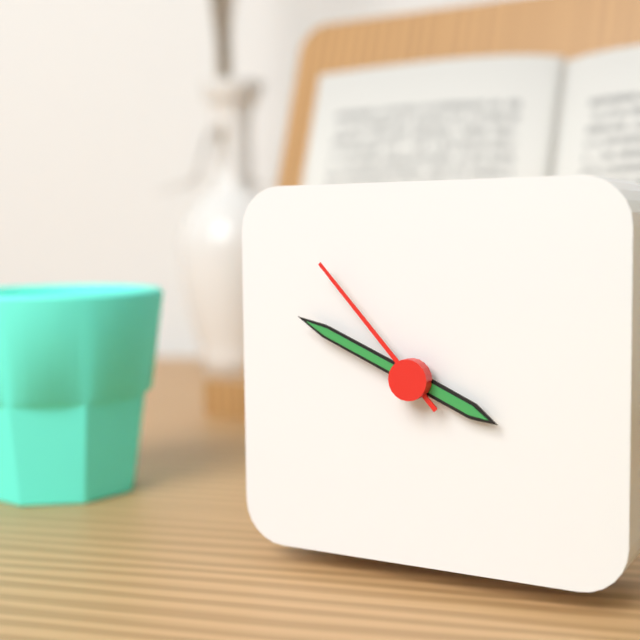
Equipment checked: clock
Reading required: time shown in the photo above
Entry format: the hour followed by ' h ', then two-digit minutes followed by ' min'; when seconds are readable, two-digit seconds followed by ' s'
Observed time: 3 h 49 min 53 s
